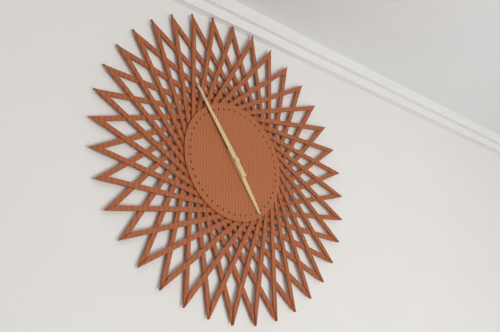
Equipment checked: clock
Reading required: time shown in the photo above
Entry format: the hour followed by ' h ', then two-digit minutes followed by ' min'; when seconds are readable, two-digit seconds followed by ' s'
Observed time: 4 h 54 min
